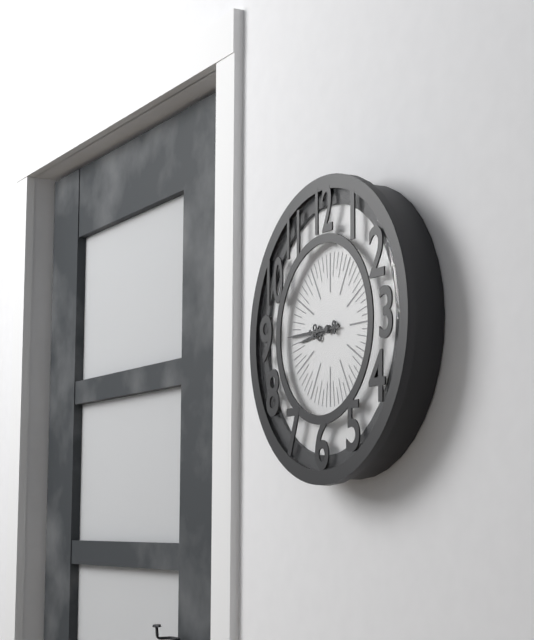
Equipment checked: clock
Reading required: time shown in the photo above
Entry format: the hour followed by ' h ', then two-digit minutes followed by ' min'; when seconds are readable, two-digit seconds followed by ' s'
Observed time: 8 h 45 min
